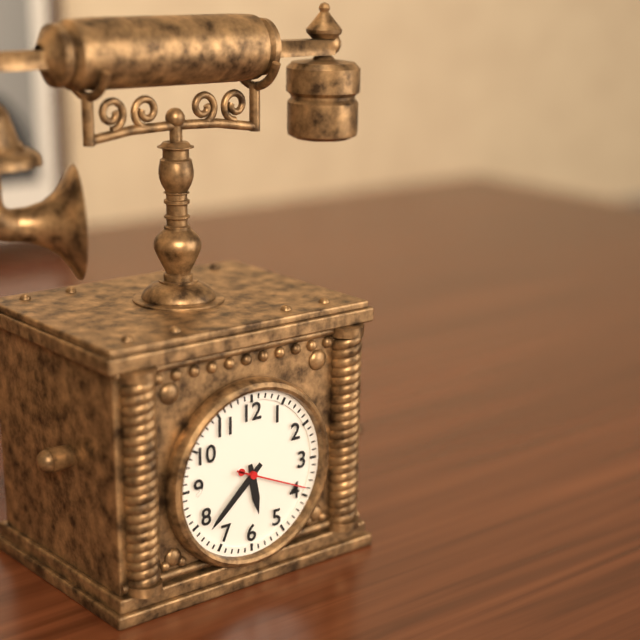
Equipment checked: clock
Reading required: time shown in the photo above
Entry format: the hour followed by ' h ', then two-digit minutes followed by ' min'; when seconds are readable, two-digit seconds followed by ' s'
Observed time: 5 h 38 min 19 s
